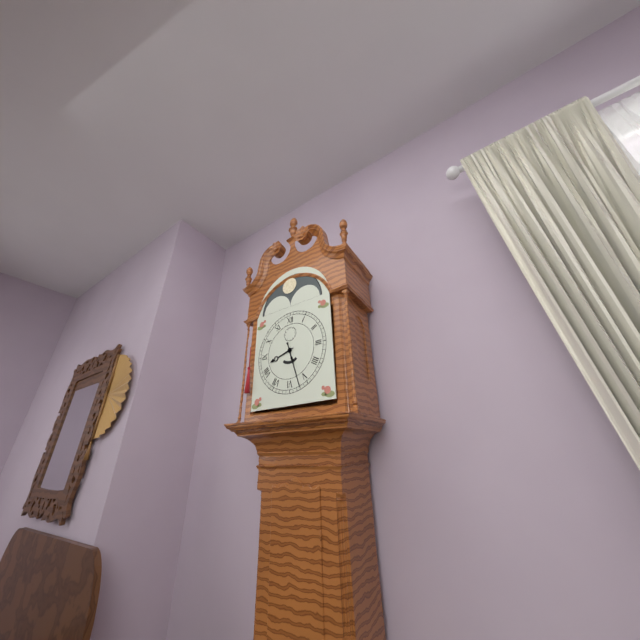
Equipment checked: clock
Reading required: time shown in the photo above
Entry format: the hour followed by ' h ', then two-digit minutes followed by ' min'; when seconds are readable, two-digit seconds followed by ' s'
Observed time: 8 h 27 min
